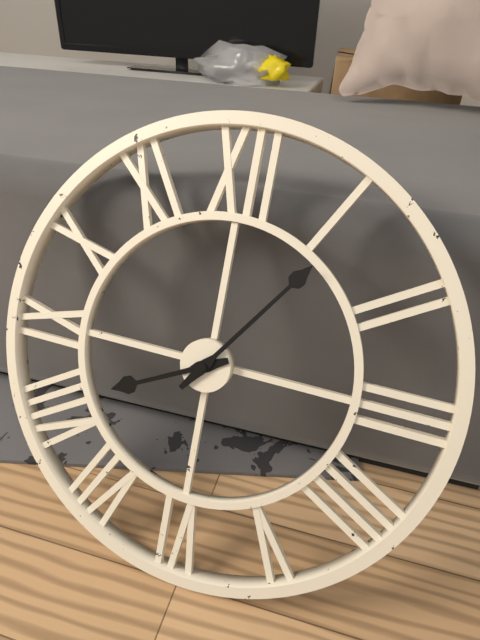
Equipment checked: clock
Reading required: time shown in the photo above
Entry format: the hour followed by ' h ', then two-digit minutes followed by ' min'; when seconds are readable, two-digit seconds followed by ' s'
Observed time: 8 h 06 min
